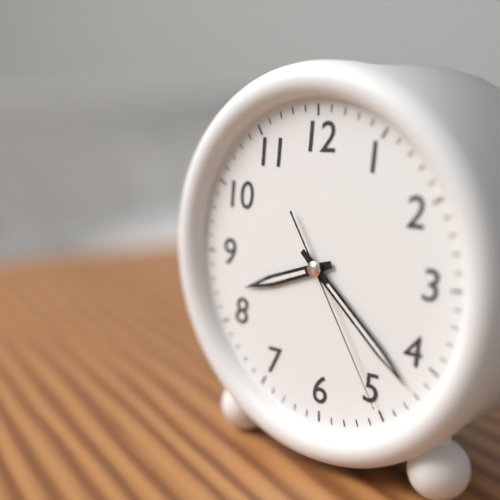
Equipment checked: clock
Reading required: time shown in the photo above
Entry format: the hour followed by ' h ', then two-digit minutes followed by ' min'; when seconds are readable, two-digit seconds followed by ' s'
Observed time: 8 h 22 min 25 s
